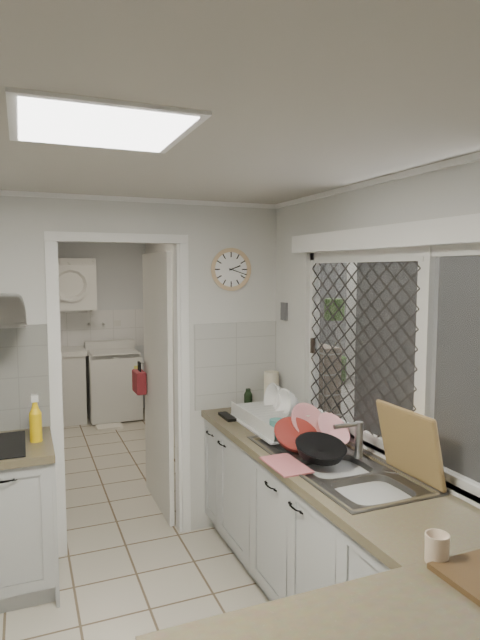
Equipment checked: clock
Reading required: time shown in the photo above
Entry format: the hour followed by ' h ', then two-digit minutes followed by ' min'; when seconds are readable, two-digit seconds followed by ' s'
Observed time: 2 h 18 min
